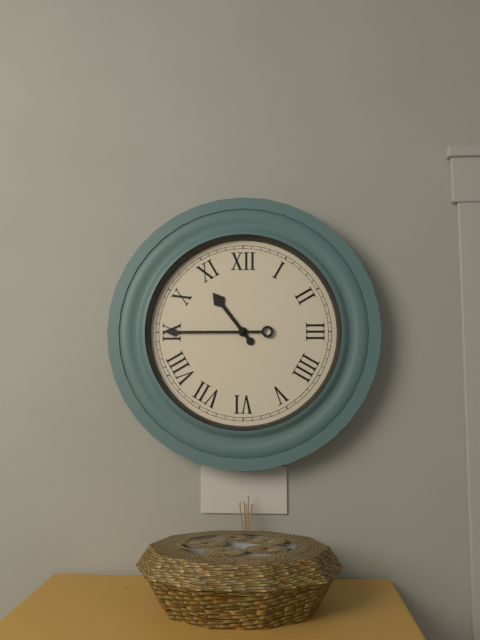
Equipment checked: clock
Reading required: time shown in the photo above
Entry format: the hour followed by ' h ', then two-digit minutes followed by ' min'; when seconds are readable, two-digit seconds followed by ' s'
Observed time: 10 h 45 min
